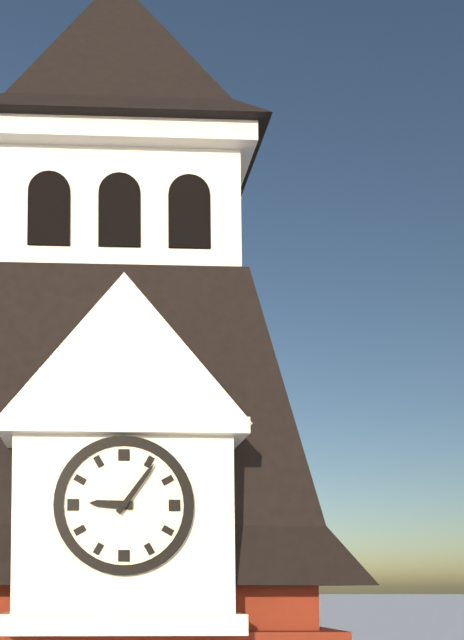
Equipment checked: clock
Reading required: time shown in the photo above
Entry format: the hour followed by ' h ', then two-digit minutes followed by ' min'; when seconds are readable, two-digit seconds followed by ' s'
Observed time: 9 h 06 min
